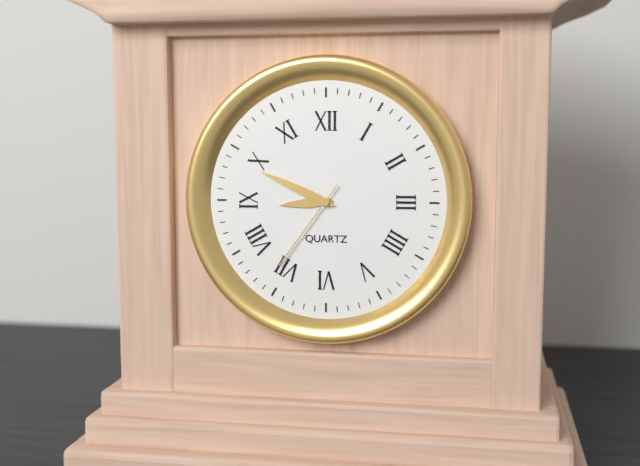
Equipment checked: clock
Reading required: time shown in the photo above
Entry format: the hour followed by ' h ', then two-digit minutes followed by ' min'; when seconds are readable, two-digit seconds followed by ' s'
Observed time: 8 h 49 min 36 s
